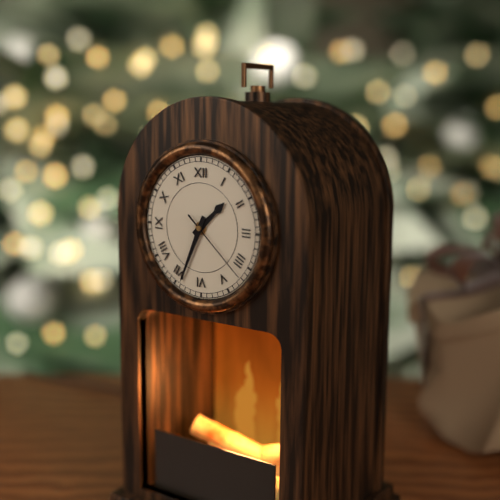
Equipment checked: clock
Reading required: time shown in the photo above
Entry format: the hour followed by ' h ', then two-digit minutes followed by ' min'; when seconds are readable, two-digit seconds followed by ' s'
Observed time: 1 h 34 min 22 s
